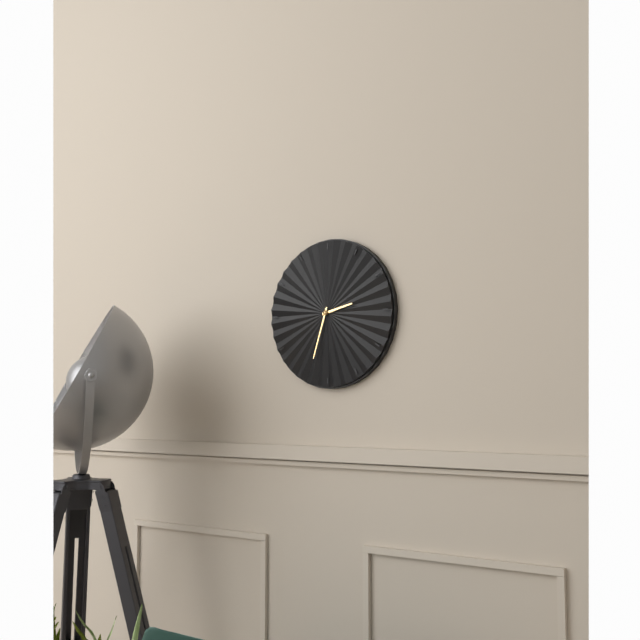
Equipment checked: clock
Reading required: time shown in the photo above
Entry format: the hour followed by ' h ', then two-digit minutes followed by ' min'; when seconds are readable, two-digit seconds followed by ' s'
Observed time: 2 h 33 min
